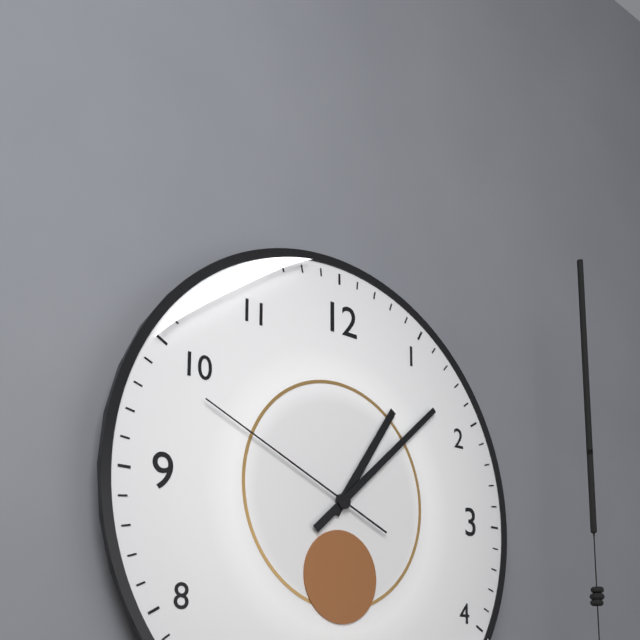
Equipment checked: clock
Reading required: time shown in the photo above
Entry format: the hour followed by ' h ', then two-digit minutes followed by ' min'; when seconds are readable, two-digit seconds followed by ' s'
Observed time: 1 h 08 min 49 s
